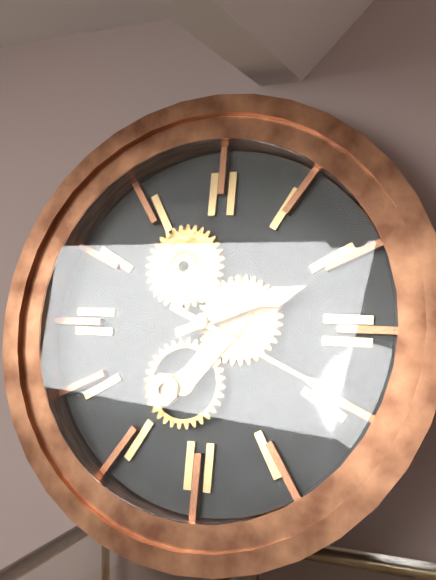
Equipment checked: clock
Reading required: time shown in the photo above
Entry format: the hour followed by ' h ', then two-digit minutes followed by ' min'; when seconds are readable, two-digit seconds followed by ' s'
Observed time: 2 h 19 min
